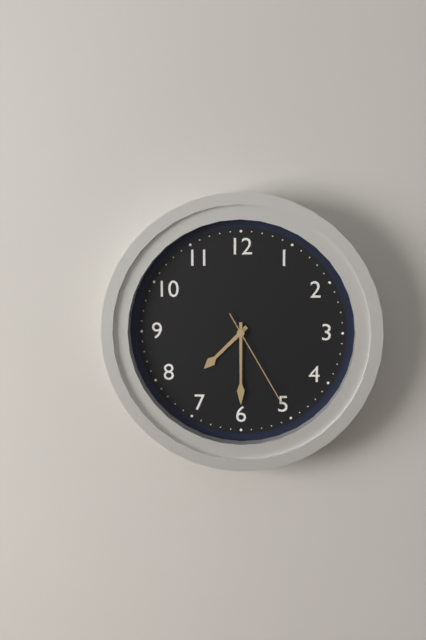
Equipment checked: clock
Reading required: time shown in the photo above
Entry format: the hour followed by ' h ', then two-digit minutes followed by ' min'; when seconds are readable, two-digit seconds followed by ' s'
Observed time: 7 h 30 min 25 s
